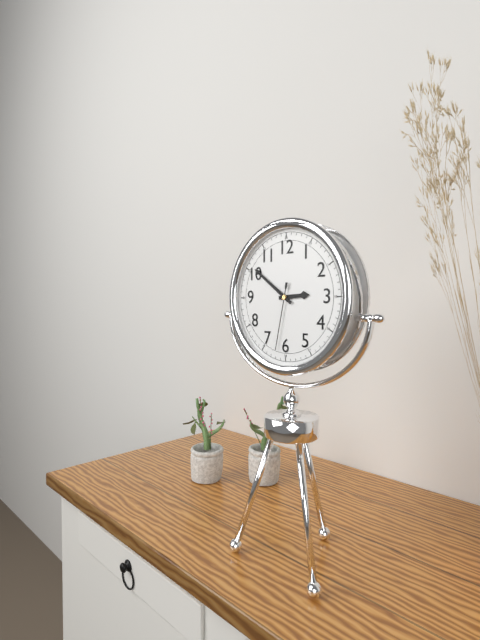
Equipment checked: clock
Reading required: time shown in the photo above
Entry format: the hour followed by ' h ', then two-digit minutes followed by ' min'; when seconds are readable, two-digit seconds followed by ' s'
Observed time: 2 h 51 min 32 s
